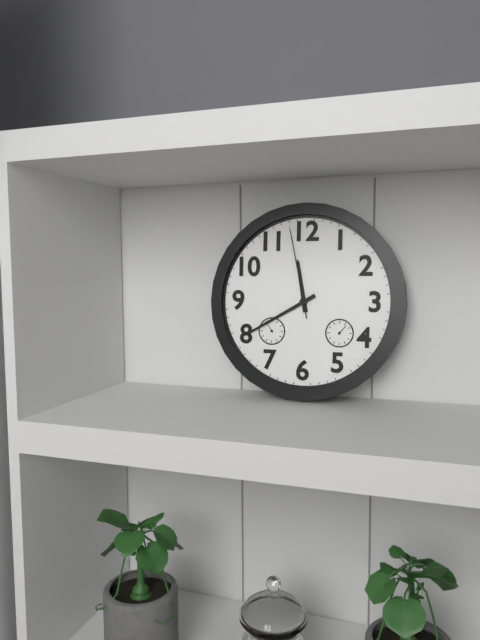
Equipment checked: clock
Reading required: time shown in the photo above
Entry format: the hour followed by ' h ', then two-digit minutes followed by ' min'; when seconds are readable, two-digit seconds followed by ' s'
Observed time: 11 h 40 min 58 s
